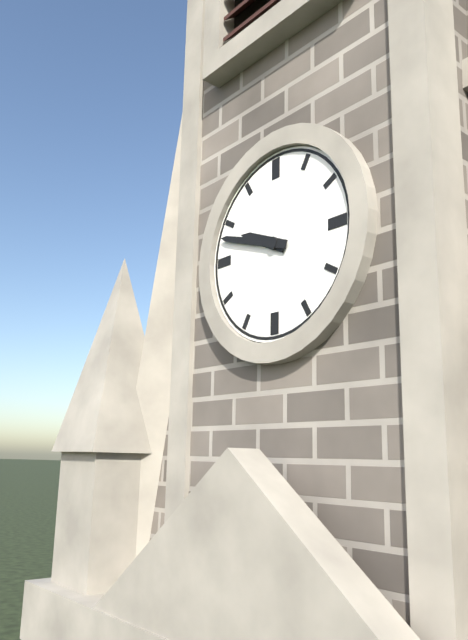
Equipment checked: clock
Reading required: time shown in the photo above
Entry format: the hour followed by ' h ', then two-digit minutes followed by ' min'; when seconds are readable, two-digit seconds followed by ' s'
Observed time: 9 h 48 min
